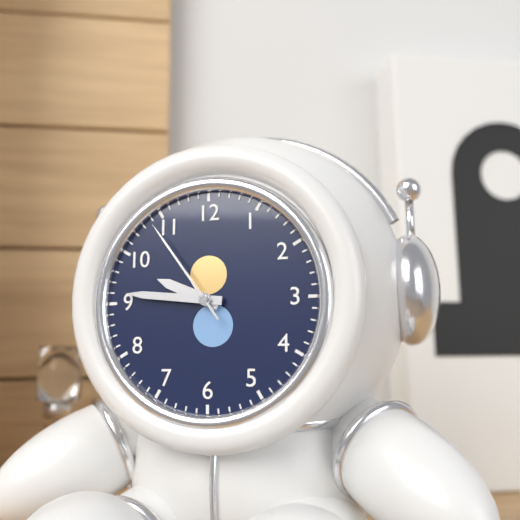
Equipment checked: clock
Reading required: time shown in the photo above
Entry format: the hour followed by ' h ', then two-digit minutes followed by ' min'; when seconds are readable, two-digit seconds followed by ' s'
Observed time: 9 h 46 min 54 s
